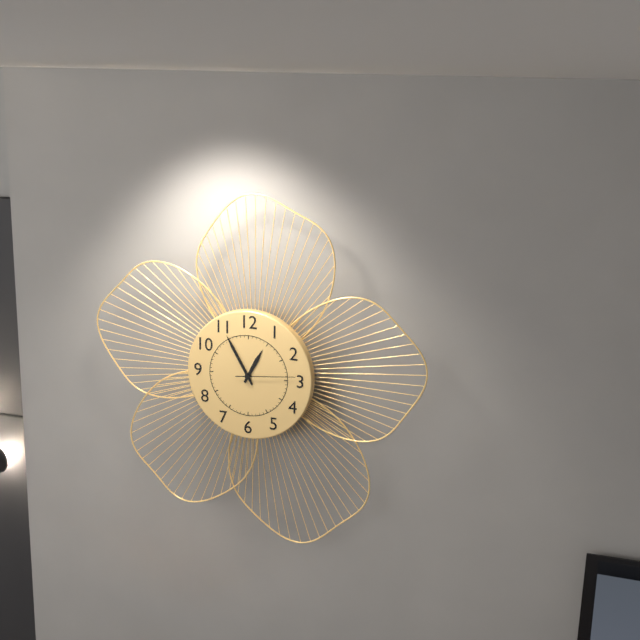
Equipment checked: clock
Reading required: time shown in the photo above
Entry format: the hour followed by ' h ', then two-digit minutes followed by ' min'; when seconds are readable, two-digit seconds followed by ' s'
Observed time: 12 h 55 min 14 s
